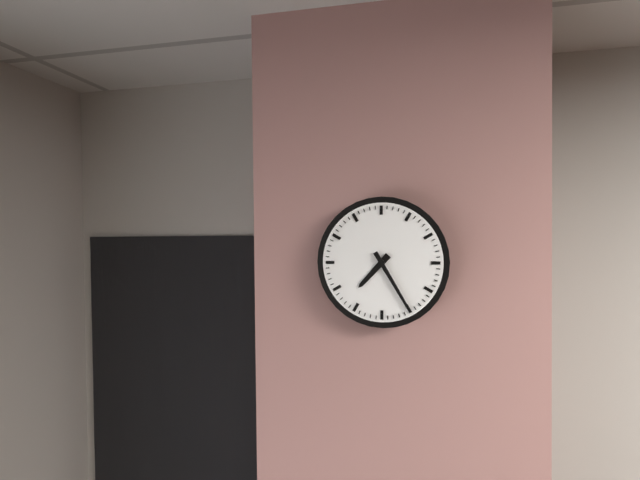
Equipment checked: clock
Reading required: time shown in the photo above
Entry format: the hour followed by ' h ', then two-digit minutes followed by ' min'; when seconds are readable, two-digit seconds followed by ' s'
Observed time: 7 h 25 min
